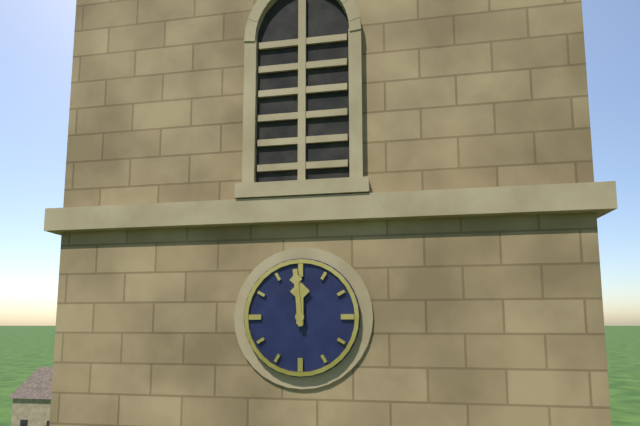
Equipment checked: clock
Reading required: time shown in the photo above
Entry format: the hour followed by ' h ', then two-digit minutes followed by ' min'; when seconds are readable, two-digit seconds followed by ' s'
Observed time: 11 h 59 min
